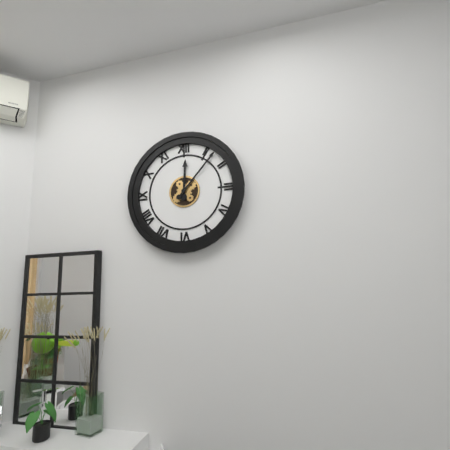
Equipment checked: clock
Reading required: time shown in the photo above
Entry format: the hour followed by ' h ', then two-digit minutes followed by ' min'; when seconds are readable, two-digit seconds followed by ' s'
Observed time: 12 h 07 min
